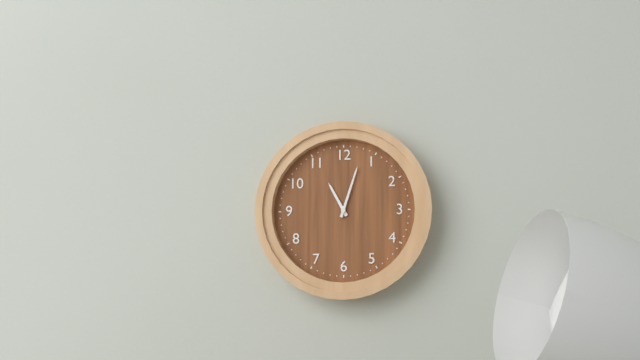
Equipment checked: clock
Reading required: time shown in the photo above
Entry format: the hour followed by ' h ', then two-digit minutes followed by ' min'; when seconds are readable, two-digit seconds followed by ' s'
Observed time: 11 h 03 min
